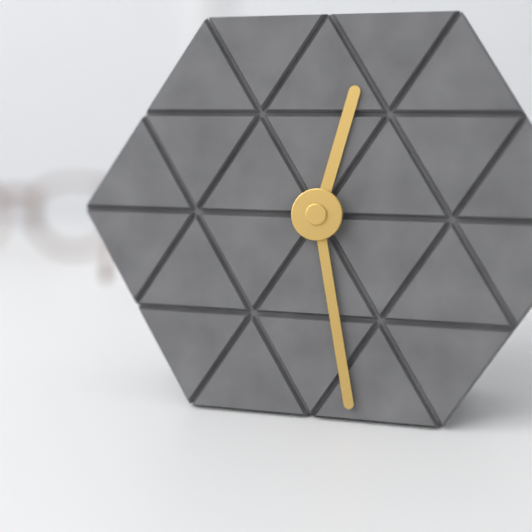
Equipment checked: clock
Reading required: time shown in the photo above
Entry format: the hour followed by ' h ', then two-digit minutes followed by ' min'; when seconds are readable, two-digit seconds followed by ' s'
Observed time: 12 h 28 min
